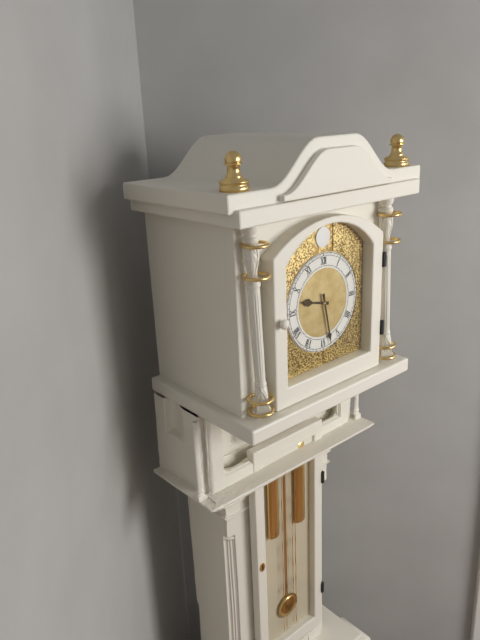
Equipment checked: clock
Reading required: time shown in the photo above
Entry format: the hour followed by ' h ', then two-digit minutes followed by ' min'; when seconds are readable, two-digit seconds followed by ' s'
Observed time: 9 h 28 min
